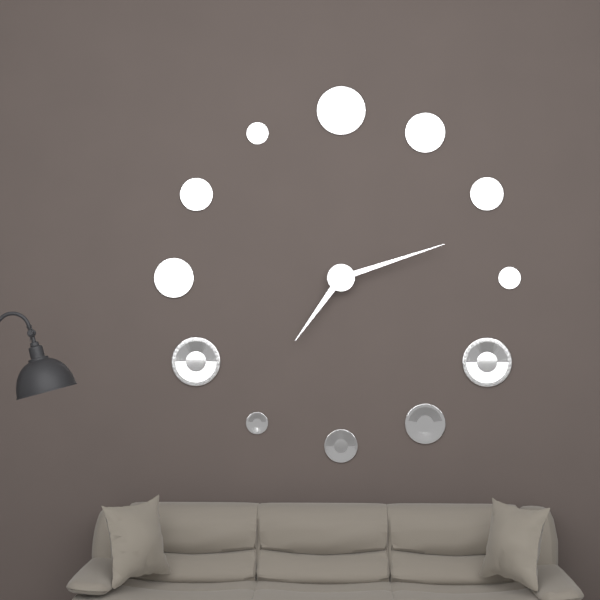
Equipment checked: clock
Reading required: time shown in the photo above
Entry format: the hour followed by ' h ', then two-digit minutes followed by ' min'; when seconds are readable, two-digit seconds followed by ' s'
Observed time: 7 h 12 min
